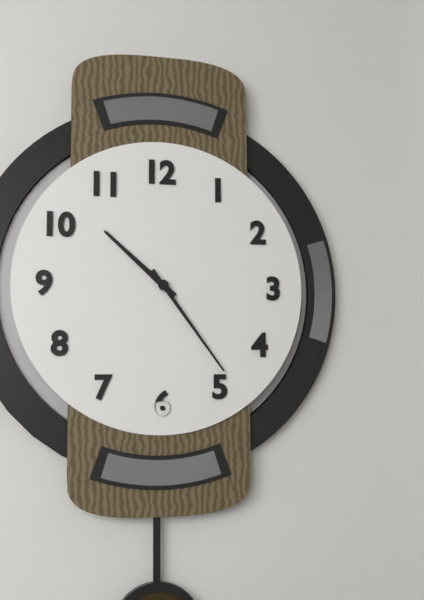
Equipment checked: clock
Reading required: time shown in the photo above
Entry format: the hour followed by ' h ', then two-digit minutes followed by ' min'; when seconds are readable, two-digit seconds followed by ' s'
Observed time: 10 h 24 min
